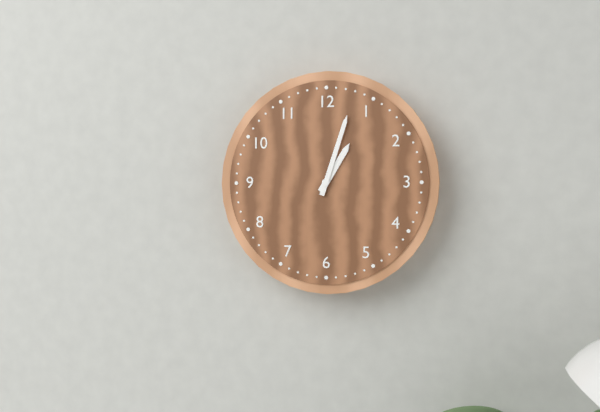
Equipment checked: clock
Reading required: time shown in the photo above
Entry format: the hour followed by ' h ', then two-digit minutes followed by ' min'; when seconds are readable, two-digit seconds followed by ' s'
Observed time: 1 h 03 min
